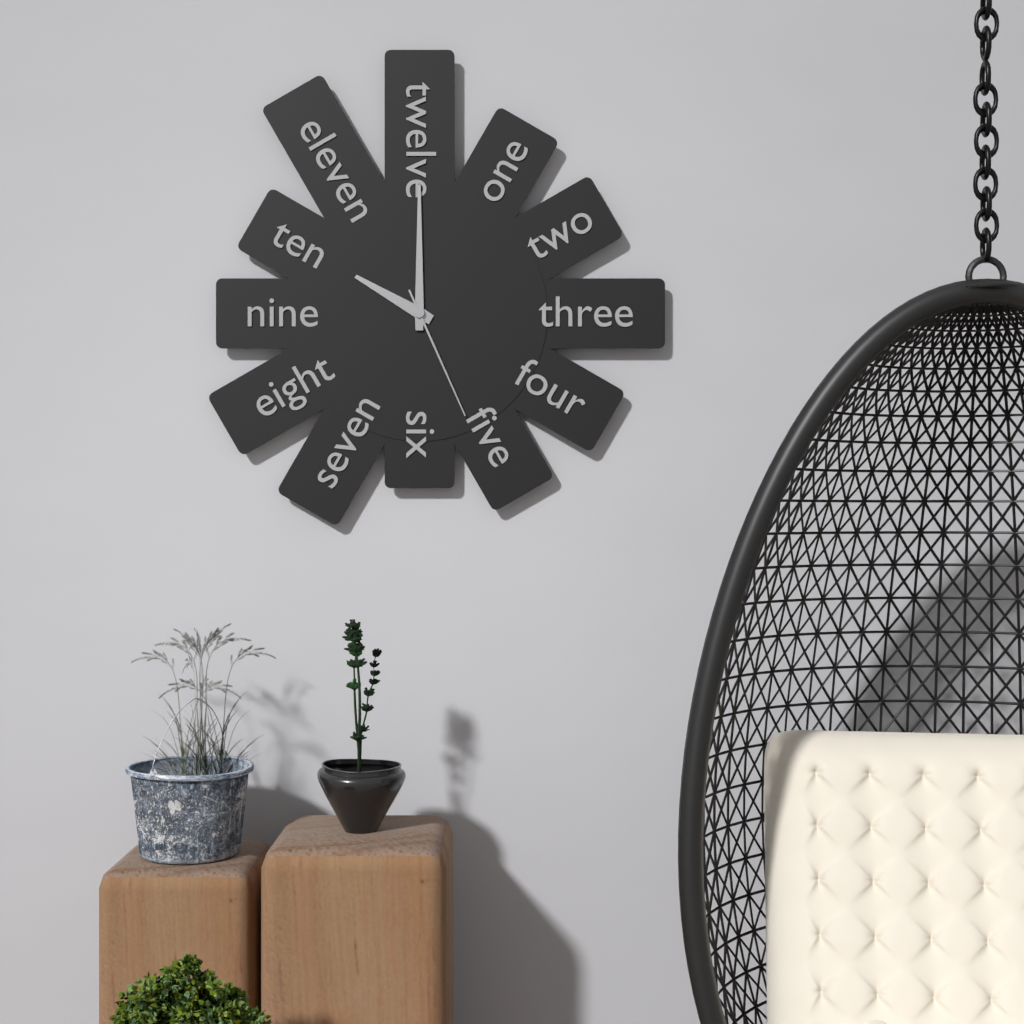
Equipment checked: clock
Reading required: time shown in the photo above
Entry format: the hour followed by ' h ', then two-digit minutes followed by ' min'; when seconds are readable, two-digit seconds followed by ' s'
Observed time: 10 h 00 min 26 s
